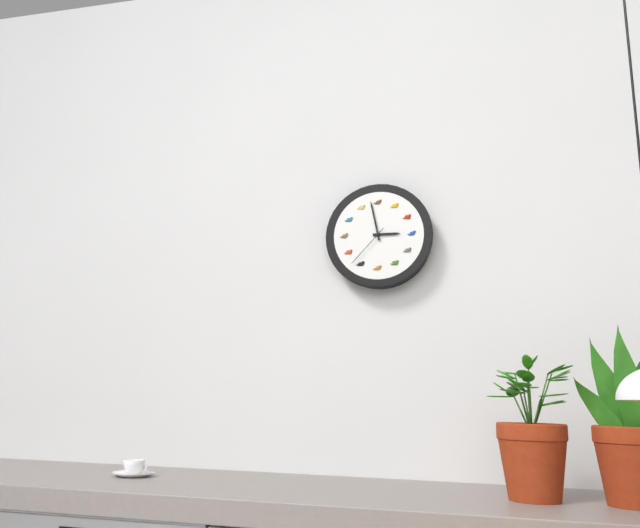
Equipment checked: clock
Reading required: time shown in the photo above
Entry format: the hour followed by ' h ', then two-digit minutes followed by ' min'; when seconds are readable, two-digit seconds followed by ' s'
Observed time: 2 h 58 min
